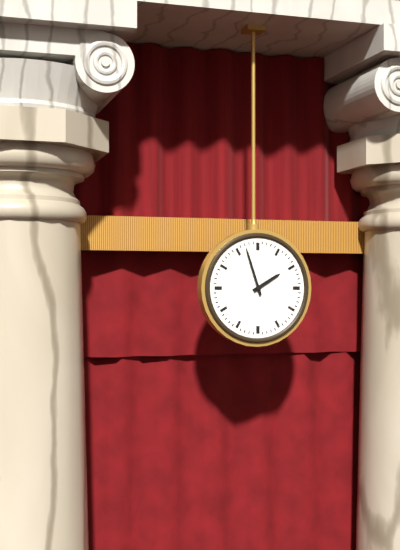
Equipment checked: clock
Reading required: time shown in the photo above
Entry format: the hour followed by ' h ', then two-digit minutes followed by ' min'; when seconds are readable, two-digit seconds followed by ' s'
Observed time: 1 h 57 min
